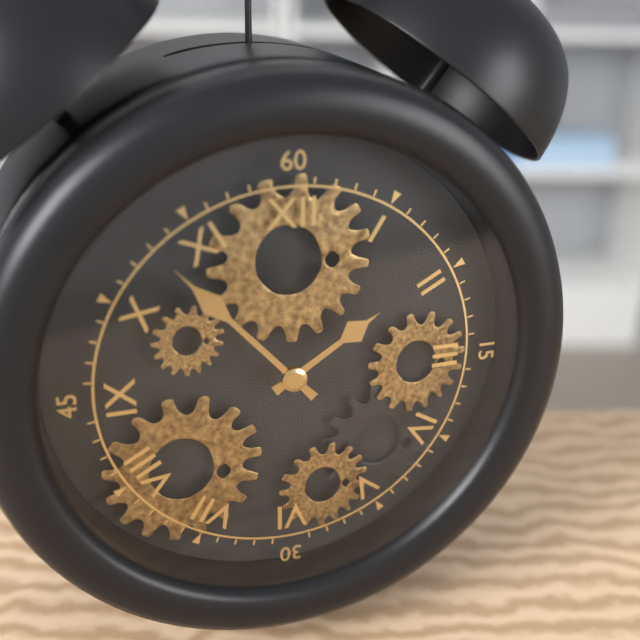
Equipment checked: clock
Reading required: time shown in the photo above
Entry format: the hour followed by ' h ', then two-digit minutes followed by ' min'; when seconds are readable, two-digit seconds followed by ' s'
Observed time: 1 h 53 min
